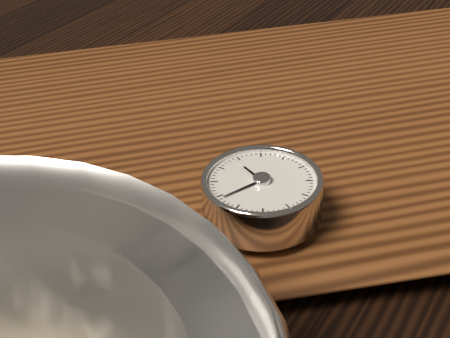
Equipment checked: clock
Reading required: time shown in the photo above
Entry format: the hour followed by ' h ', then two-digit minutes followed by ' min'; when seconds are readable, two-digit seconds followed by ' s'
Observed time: 12 h 49 min
